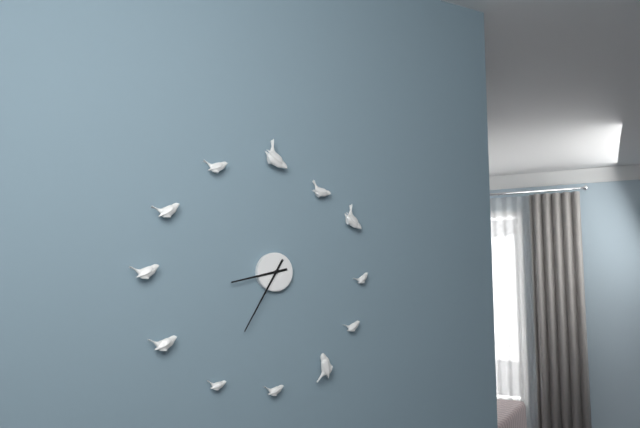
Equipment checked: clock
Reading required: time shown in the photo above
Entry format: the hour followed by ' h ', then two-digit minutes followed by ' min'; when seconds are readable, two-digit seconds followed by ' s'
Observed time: 8 h 35 min
